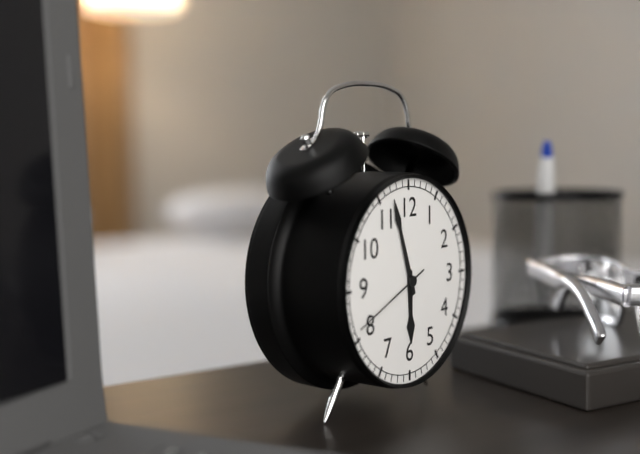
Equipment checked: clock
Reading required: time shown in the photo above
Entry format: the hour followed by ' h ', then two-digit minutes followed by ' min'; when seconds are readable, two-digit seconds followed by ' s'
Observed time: 5 h 57 min 41 s
